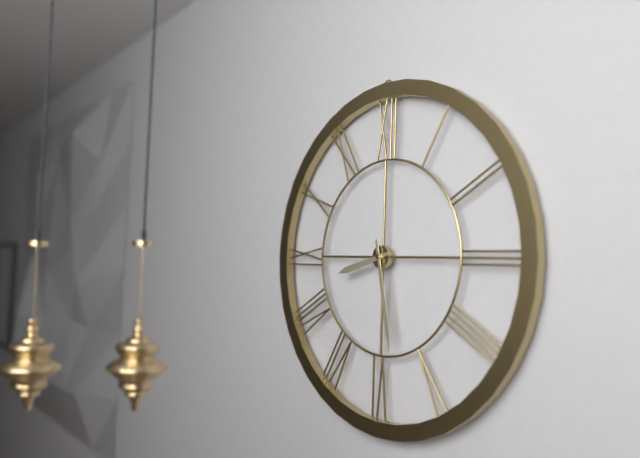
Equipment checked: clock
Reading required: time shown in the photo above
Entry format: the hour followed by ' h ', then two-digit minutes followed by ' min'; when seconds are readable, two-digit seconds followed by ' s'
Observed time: 8 h 28 min
